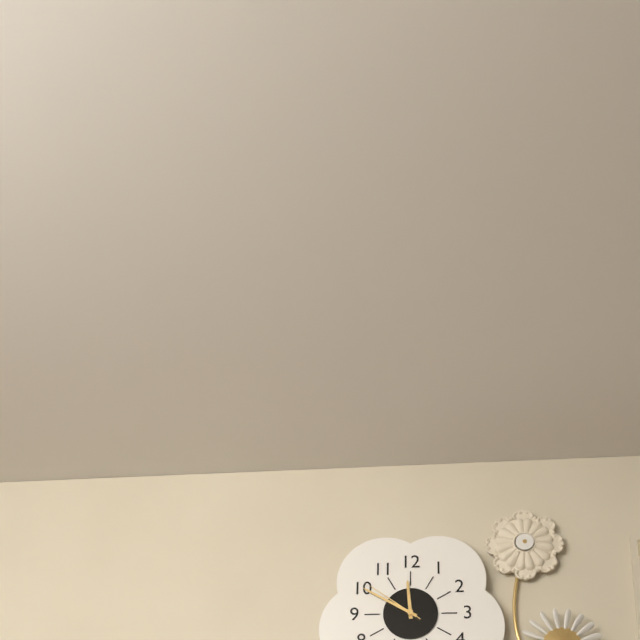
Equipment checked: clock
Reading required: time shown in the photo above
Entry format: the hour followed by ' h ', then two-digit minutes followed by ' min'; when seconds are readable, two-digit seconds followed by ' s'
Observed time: 11 h 50 min 51 s
